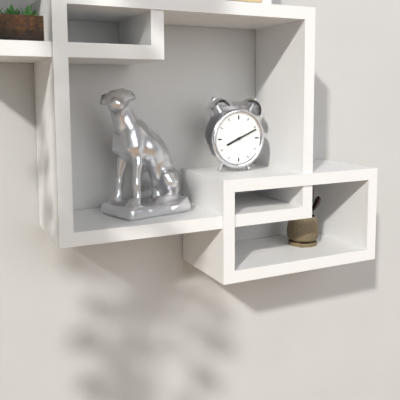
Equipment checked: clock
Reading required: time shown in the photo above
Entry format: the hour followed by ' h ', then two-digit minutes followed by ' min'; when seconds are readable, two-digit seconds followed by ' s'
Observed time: 8 h 11 min
